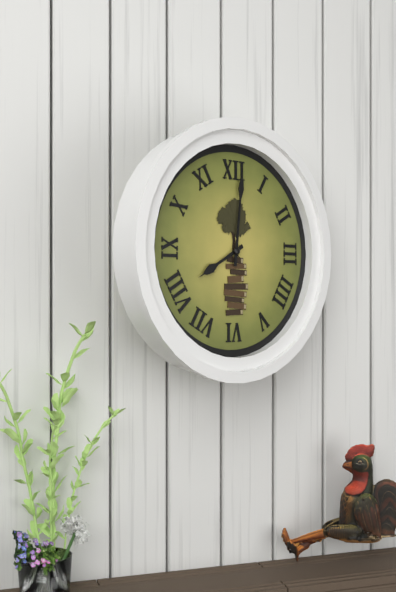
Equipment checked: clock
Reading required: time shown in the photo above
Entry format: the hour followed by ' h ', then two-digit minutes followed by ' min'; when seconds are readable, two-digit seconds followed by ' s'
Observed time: 8 h 01 min
